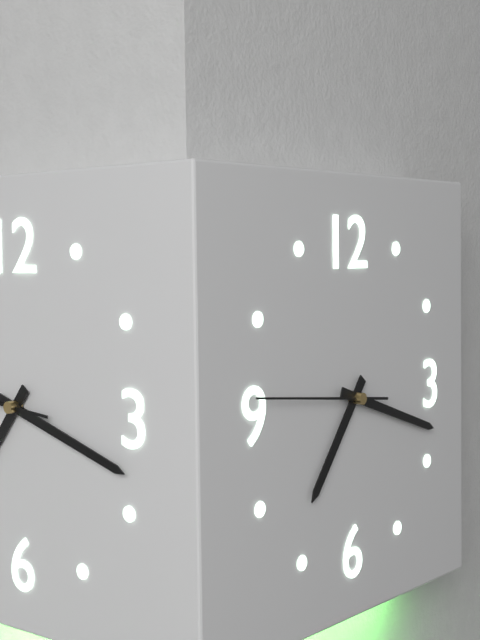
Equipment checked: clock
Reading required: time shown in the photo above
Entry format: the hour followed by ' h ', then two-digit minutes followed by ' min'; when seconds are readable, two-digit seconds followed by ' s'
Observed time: 7 h 18 min 46 s
